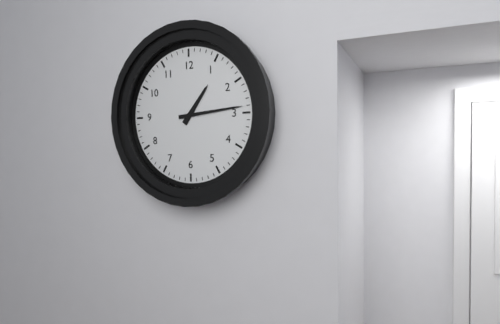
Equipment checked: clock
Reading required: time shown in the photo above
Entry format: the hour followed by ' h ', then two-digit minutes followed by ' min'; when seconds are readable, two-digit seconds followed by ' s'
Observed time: 1 h 14 min
